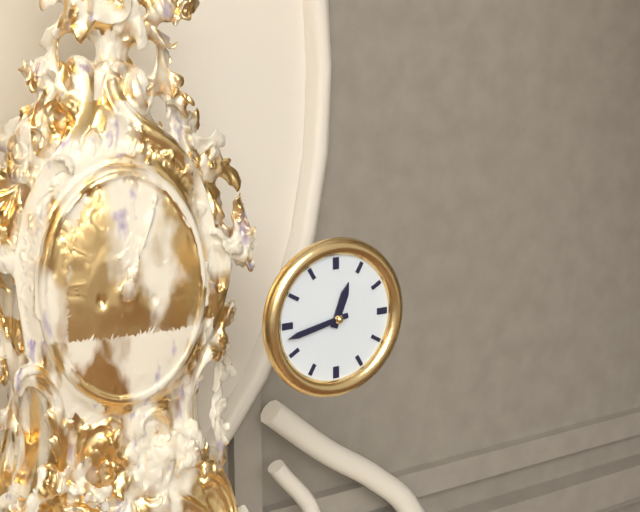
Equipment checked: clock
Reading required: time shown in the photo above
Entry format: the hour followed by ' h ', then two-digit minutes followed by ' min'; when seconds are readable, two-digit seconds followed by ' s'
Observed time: 12 h 43 min
